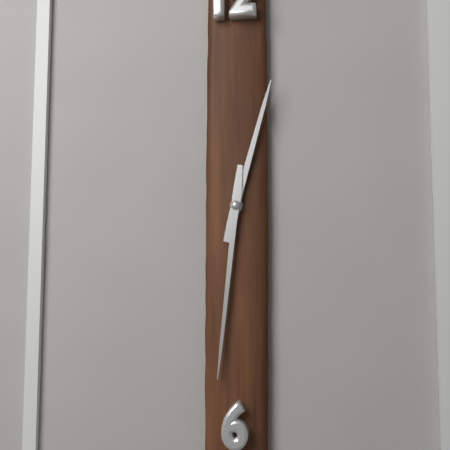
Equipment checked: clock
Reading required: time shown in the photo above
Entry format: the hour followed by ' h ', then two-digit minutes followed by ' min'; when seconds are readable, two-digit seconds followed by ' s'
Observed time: 12 h 31 min
